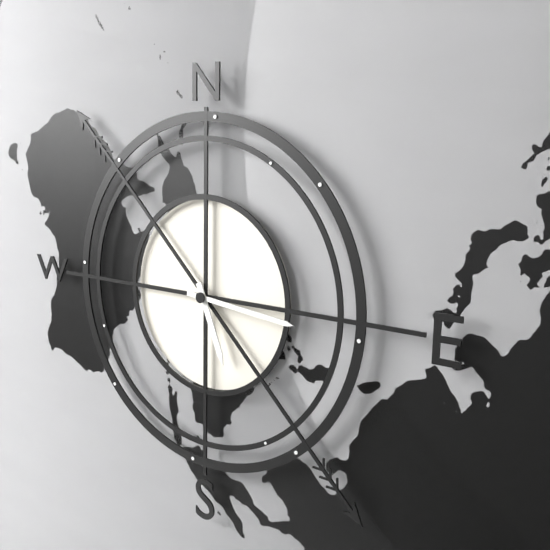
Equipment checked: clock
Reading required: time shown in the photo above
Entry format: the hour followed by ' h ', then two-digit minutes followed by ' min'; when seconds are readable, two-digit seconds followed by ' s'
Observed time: 5 h 16 min
